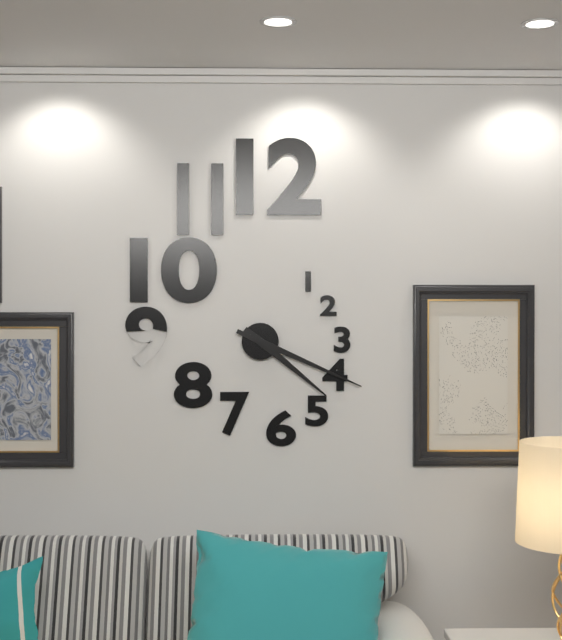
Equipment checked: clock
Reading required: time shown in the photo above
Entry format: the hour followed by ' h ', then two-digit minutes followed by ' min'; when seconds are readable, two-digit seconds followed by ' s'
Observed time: 4 h 19 min
